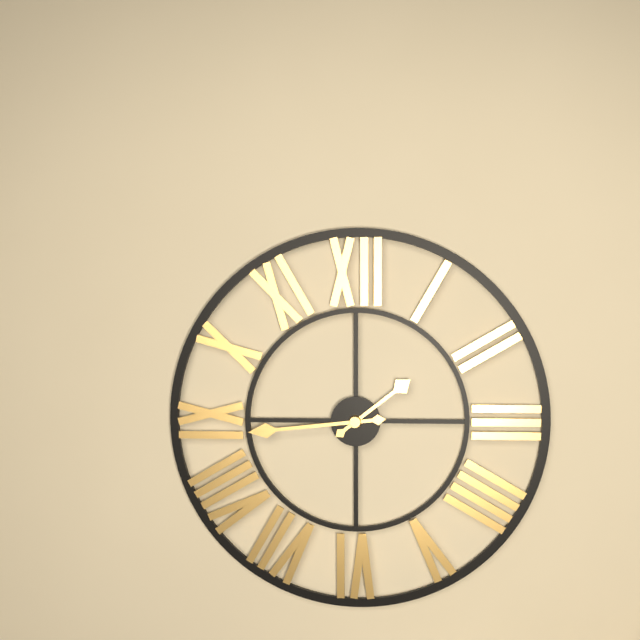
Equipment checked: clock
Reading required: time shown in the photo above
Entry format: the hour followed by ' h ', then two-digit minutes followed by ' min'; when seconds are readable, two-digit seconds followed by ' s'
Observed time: 1 h 44 min
